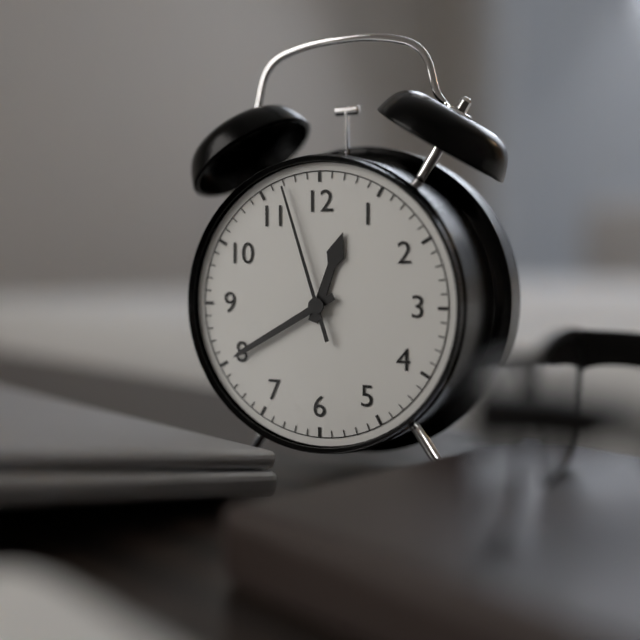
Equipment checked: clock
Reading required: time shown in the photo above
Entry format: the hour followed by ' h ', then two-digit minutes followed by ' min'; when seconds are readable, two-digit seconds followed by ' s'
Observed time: 12 h 40 min 57 s
